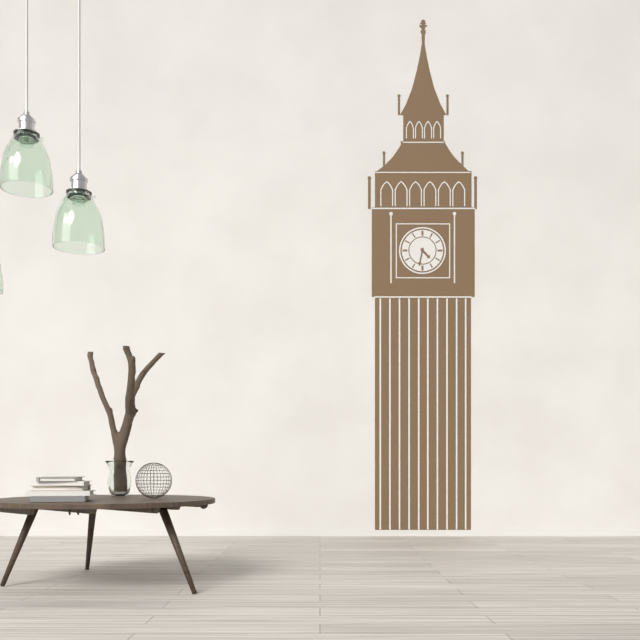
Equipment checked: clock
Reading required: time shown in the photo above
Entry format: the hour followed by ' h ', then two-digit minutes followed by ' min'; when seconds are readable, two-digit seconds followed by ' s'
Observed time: 4 h 32 min
